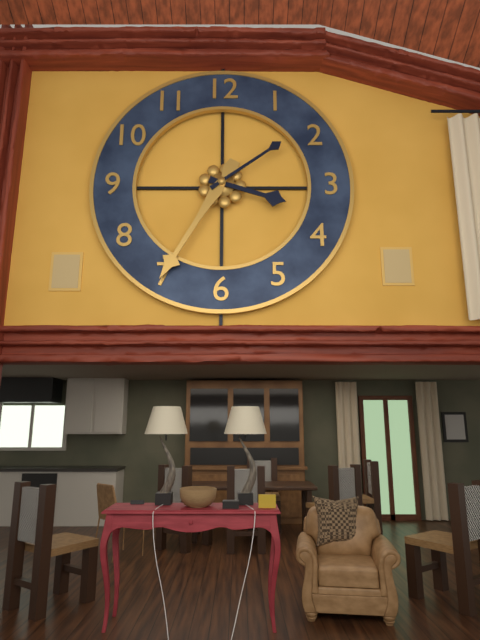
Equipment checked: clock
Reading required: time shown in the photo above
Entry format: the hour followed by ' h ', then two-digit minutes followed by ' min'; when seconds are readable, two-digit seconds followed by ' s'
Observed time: 3 h 35 min 09 s
